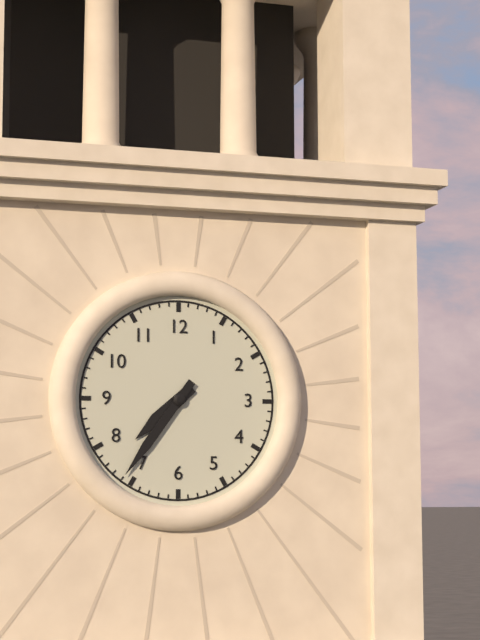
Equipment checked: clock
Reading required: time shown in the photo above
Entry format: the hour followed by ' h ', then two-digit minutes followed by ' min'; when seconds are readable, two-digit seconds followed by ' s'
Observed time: 7 h 36 min
